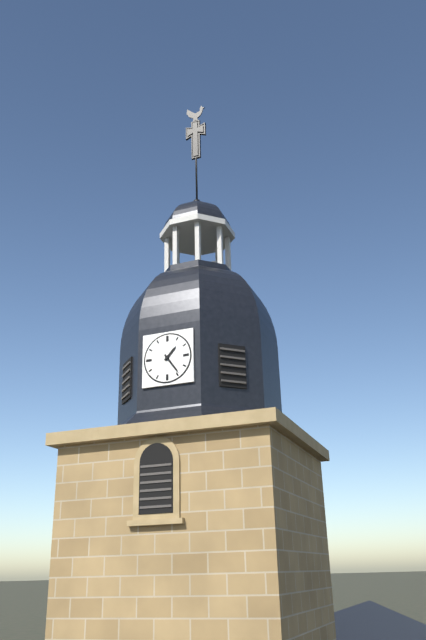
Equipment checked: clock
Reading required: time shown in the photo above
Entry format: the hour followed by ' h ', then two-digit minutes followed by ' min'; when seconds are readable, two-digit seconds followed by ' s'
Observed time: 1 h 24 min
